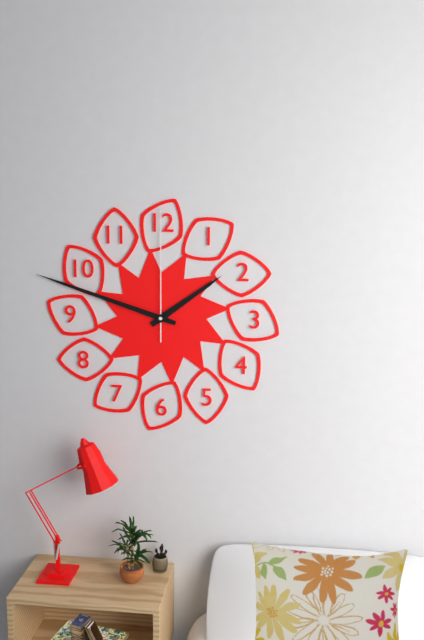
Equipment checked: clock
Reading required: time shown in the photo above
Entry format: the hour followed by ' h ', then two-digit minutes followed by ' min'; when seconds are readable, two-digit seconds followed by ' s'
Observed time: 1 h 48 min 00 s
